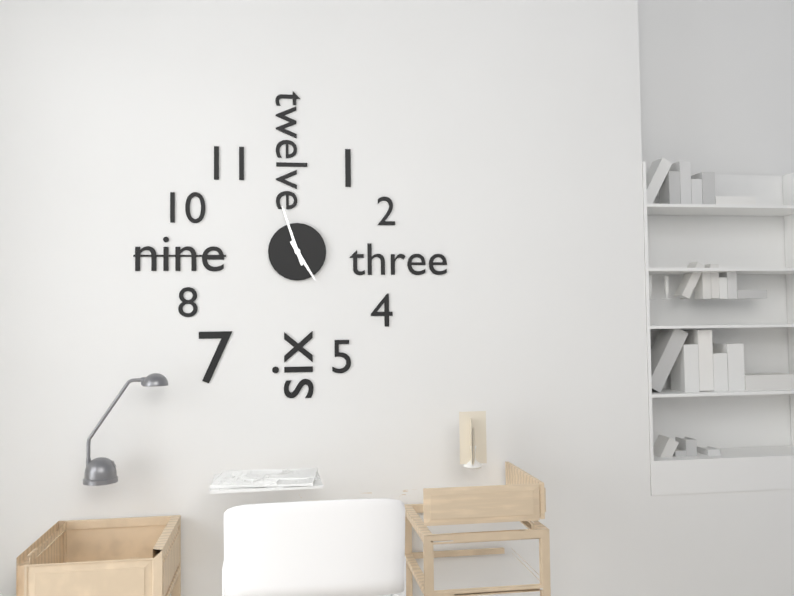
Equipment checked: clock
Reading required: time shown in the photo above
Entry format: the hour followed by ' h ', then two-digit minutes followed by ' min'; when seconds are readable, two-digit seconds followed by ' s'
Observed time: 4 h 57 min
